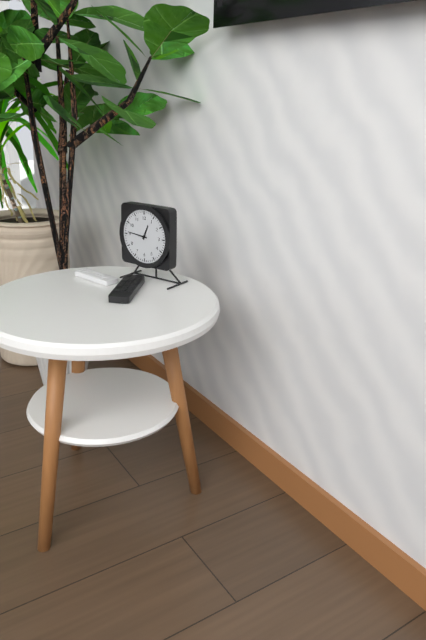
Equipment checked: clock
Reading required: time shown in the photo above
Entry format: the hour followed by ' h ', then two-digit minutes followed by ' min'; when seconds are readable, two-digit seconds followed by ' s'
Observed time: 12 h 46 min
